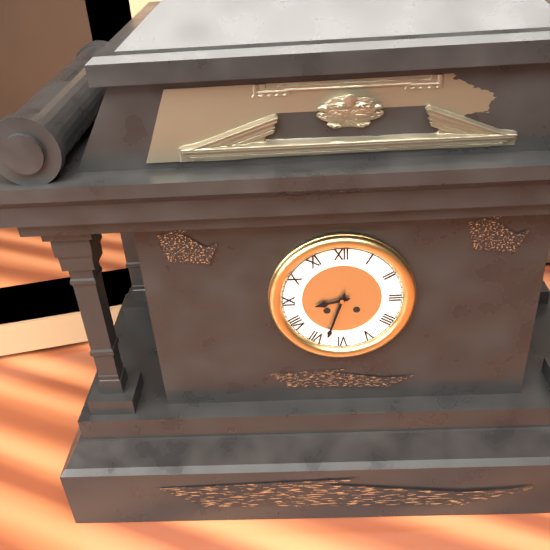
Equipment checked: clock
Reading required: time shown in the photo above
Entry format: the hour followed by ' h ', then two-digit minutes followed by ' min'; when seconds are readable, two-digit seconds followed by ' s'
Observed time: 8 h 33 min
